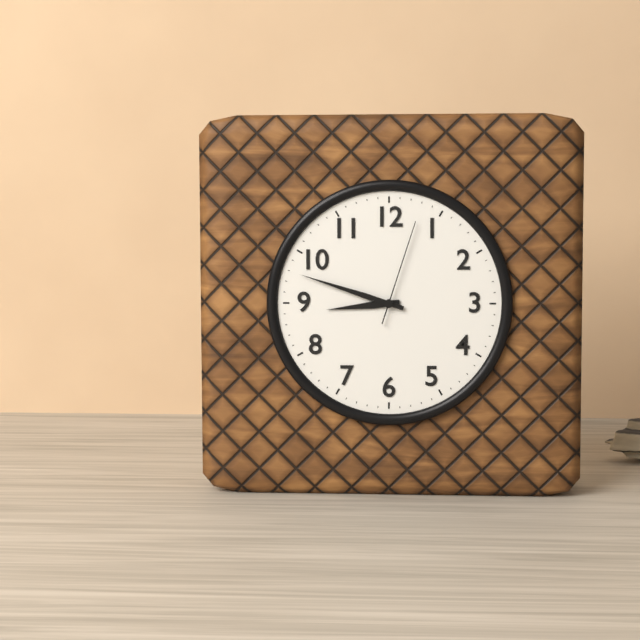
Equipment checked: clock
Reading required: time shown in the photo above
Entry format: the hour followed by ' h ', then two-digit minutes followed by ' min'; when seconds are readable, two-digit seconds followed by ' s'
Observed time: 8 h 48 min 03 s
